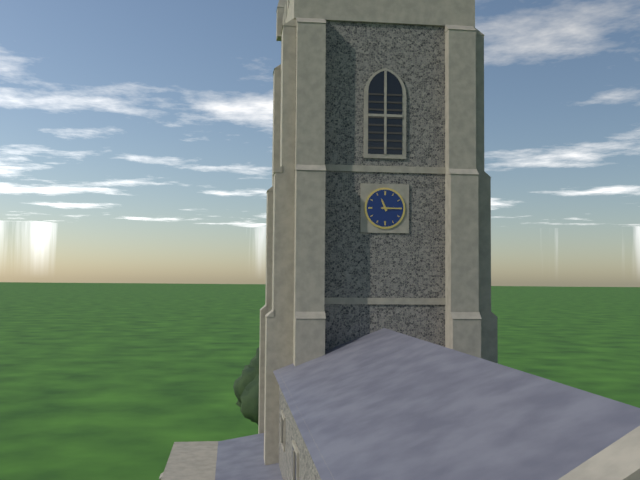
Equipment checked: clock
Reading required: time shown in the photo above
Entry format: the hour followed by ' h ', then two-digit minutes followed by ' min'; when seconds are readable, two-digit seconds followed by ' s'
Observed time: 11 h 15 min
